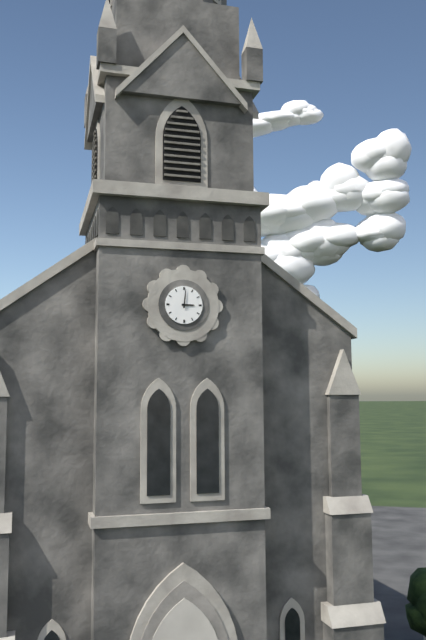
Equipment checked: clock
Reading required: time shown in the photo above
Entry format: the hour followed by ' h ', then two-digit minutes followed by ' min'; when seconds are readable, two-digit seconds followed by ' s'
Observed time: 3 h 01 min
